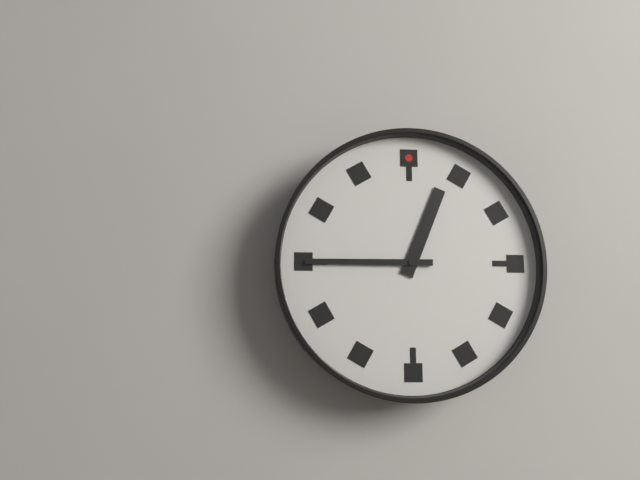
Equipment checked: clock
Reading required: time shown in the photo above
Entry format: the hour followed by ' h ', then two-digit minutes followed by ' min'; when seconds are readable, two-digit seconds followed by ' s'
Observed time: 12 h 45 min
